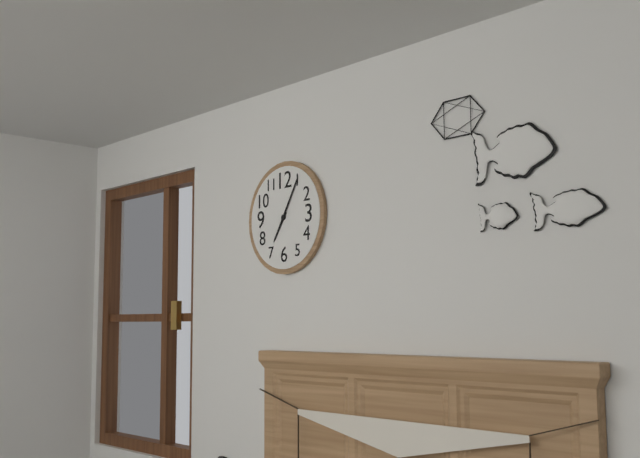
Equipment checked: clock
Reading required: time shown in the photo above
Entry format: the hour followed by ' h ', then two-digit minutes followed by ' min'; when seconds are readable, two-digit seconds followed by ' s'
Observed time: 7 h 05 min
